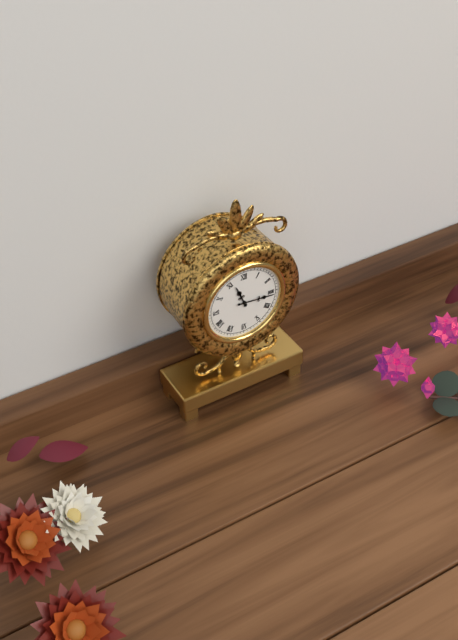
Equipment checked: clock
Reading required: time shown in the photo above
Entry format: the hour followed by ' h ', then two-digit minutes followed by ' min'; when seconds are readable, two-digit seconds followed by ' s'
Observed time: 11 h 16 min
